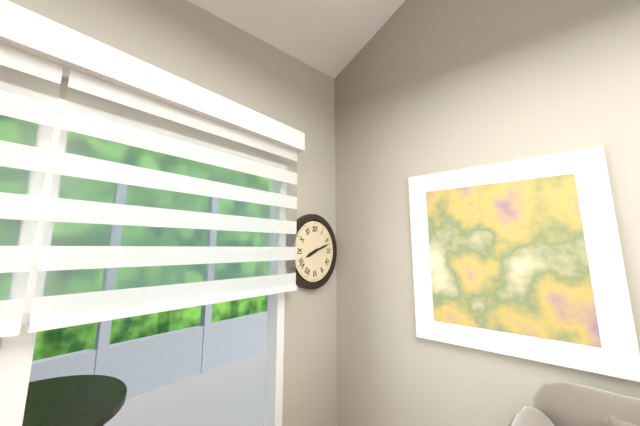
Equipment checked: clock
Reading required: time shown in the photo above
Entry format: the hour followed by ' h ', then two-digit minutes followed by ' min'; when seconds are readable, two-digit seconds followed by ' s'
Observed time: 8 h 12 min
